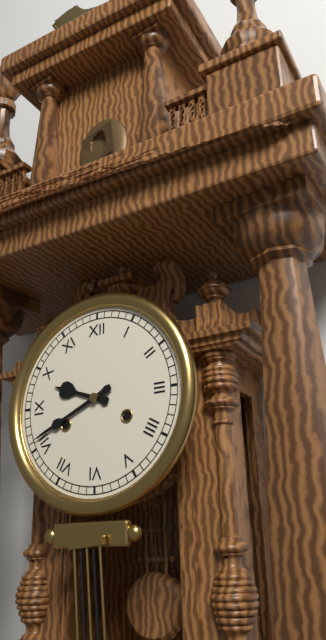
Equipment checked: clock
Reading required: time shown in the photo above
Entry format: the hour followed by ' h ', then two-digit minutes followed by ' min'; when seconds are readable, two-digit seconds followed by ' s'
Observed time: 9 h 41 min
